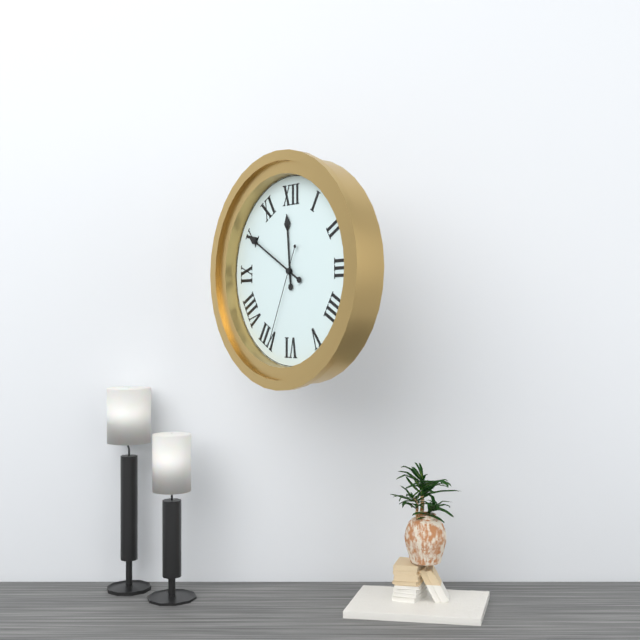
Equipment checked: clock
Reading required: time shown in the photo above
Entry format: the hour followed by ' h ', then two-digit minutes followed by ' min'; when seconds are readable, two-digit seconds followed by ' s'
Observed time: 11 h 50 min 34 s
